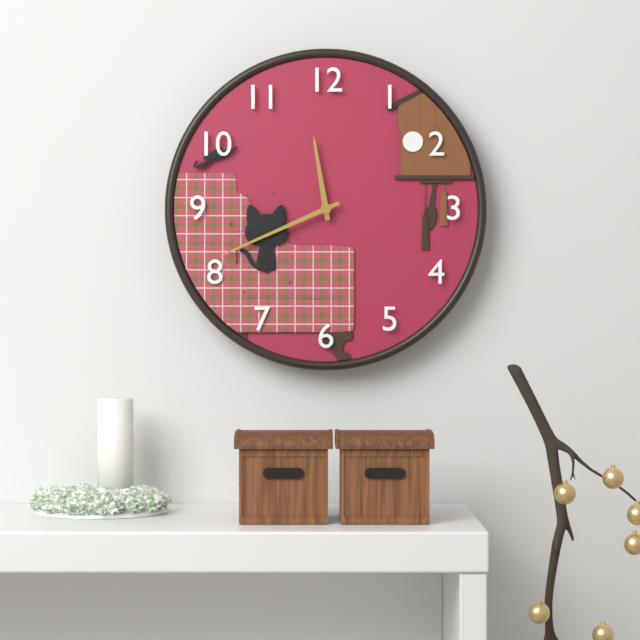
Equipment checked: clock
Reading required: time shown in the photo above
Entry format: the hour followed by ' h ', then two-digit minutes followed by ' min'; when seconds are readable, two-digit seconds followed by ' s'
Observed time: 11 h 41 min
